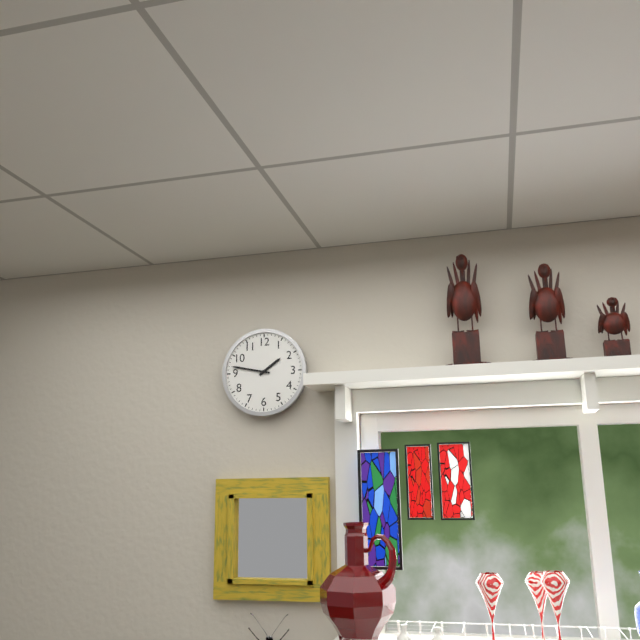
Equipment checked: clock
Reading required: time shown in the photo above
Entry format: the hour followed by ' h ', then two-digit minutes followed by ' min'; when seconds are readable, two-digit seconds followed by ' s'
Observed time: 1 h 47 min
